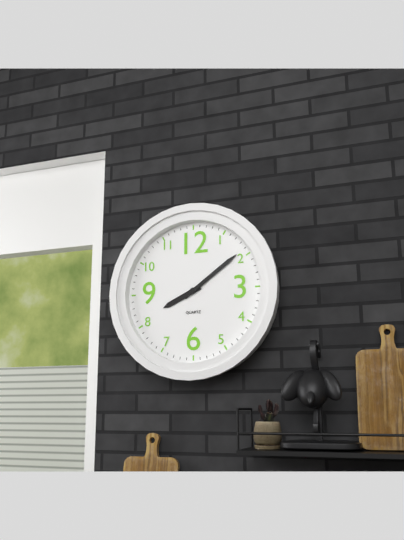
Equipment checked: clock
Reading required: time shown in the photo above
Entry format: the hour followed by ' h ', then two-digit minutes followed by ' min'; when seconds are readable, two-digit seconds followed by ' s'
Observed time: 8 h 09 min
